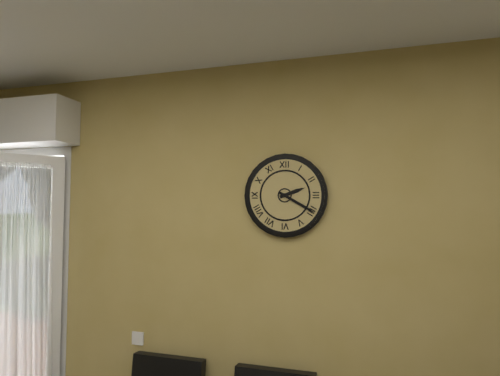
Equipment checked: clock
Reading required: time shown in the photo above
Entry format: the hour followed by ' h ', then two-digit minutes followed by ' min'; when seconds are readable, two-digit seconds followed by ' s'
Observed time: 2 h 20 min
